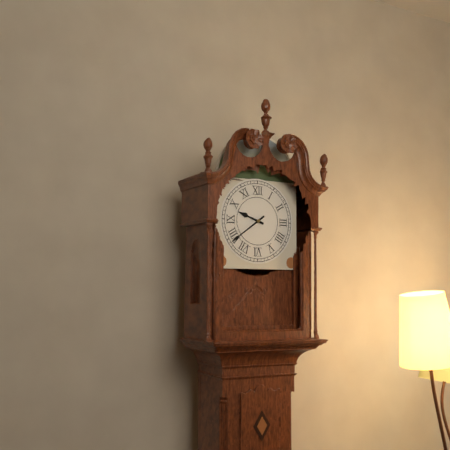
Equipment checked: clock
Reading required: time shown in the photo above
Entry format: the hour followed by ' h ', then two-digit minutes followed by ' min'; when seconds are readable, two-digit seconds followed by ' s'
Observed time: 9 h 39 min
